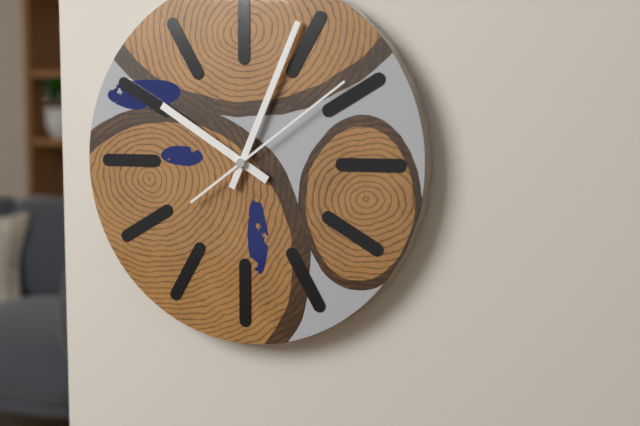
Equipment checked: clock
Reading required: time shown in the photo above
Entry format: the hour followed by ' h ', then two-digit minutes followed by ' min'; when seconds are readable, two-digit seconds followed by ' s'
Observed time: 10 h 04 min 09 s
